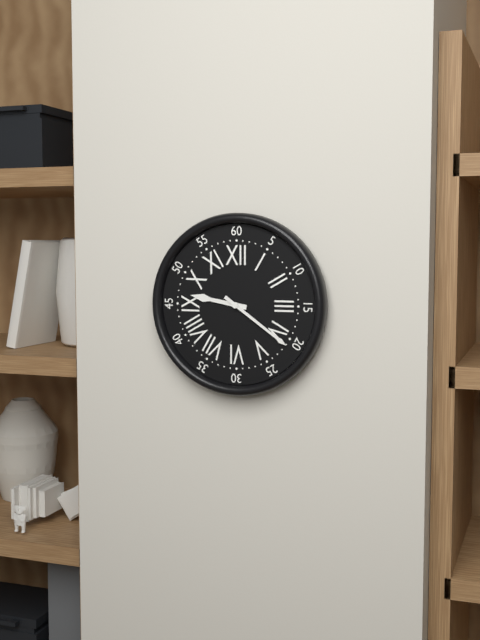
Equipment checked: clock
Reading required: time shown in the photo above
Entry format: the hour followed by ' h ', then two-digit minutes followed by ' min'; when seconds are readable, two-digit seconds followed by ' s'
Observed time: 9 h 21 min
